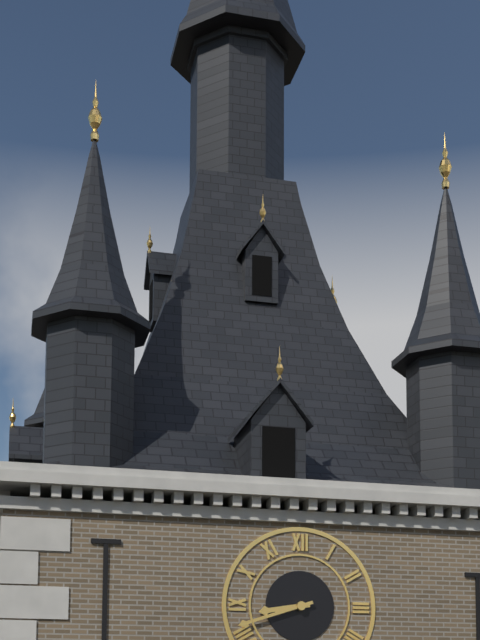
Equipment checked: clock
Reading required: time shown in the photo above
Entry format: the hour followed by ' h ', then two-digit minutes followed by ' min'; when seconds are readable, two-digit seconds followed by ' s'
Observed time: 8 h 42 min
